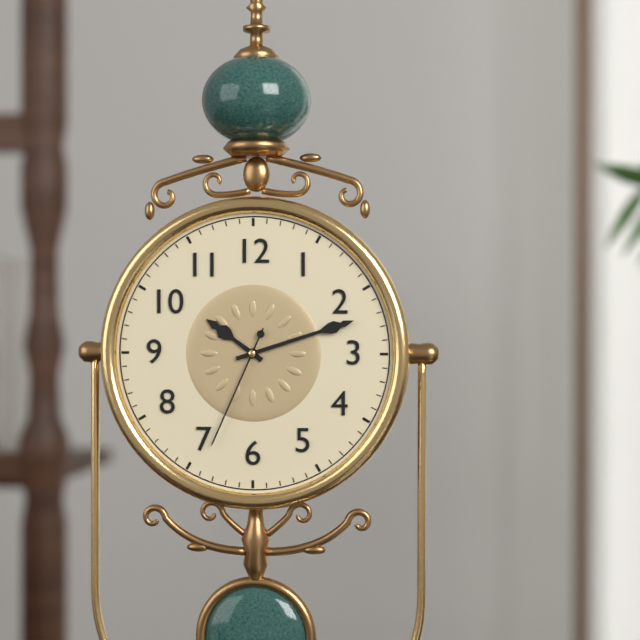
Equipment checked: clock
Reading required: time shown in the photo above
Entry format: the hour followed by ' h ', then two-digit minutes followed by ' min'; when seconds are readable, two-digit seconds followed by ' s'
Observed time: 10 h 12 min 34 s
